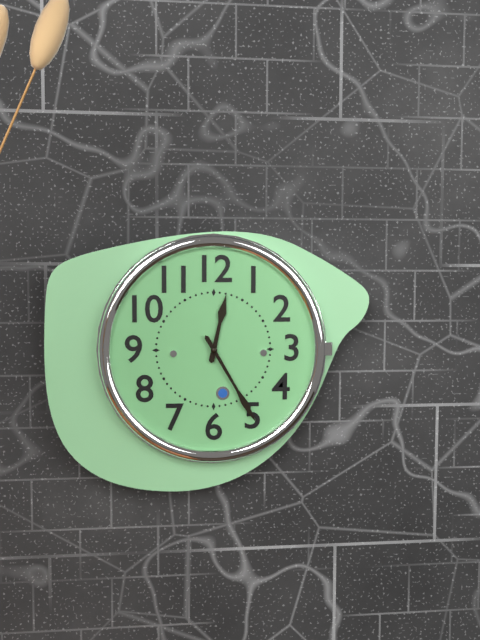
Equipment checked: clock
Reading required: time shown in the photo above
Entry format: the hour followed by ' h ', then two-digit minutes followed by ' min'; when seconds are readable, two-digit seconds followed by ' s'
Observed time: 12 h 25 min
